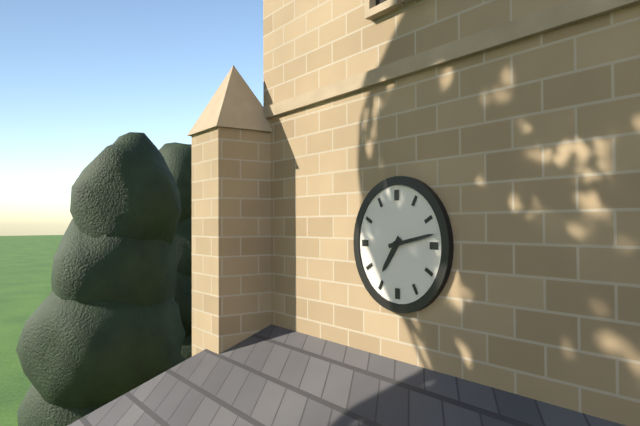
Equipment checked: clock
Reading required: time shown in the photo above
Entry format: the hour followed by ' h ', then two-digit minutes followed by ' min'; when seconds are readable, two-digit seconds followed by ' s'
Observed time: 7 h 13 min
